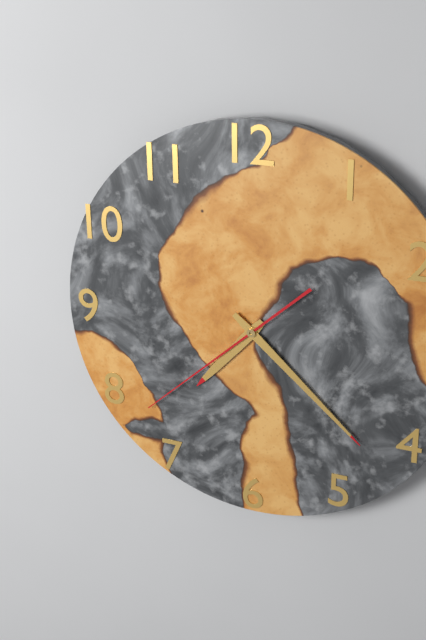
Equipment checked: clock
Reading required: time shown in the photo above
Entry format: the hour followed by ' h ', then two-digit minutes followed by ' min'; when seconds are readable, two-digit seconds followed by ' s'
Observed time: 7 h 22 min 38 s
